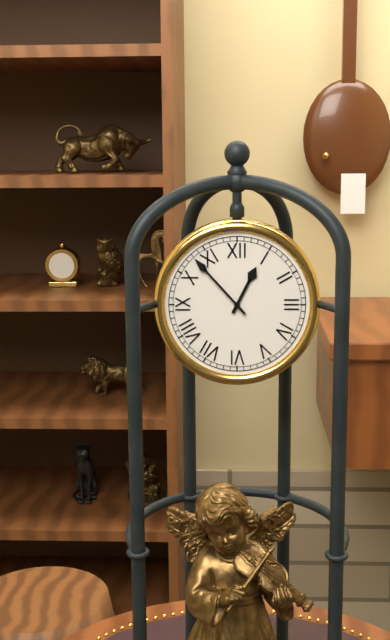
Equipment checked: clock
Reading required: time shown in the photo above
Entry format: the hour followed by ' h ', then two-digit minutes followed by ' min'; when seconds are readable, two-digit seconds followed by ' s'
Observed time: 12 h 53 min
